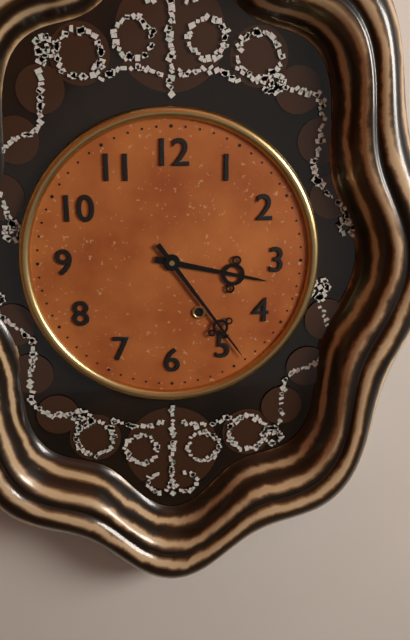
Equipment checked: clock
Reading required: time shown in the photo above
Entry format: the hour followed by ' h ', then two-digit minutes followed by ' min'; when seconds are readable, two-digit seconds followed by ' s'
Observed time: 3 h 24 min
